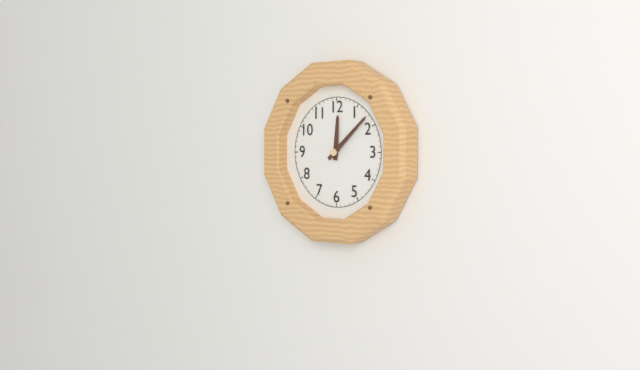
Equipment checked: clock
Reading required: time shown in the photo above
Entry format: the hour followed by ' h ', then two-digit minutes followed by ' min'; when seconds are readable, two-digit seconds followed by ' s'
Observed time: 12 h 08 min
